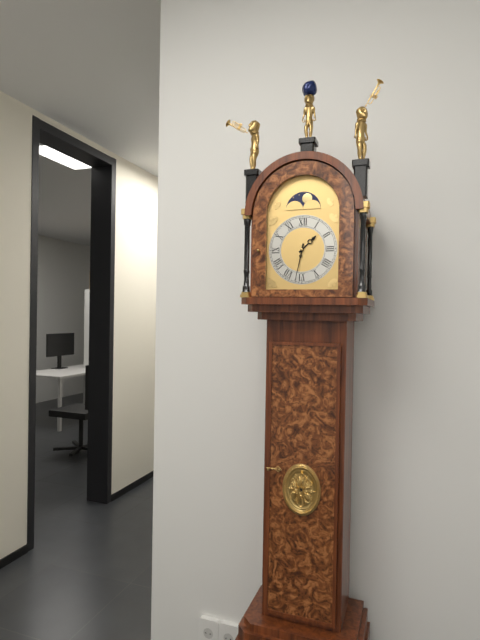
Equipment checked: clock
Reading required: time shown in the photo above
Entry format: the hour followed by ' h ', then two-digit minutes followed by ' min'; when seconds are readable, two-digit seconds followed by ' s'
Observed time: 1 h 32 min
